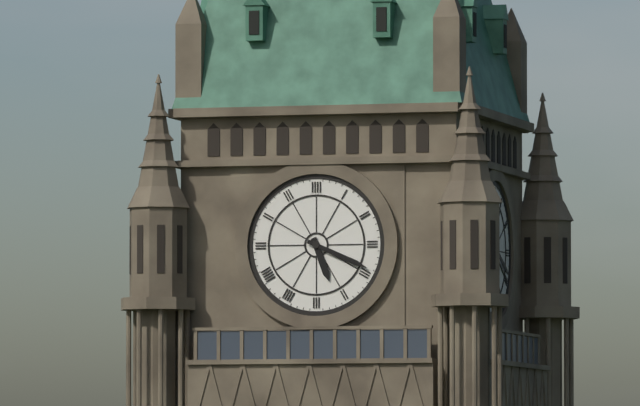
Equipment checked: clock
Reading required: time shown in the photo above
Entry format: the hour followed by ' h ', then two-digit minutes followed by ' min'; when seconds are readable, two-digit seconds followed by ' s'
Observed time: 5 h 19 min
